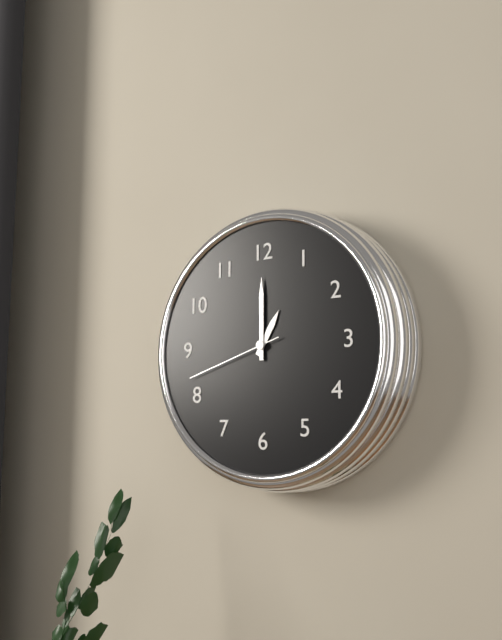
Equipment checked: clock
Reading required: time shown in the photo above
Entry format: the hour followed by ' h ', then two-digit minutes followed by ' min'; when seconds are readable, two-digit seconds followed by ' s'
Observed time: 1 h 00 min 42 s
